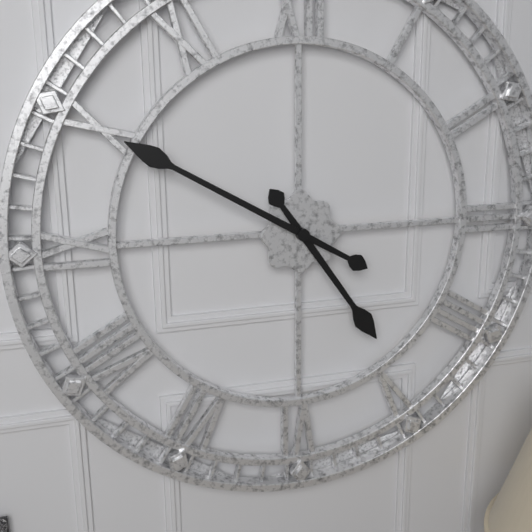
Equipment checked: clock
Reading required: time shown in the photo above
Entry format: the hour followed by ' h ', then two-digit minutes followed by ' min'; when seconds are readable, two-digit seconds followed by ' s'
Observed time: 4 h 50 min
